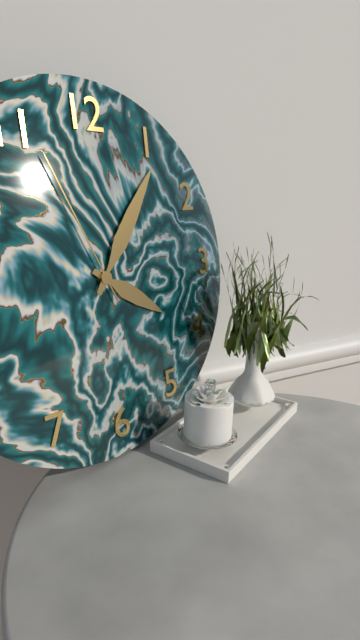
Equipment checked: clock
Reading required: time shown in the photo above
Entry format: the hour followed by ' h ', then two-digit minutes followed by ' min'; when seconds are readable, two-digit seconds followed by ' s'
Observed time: 4 h 06 min 56 s
